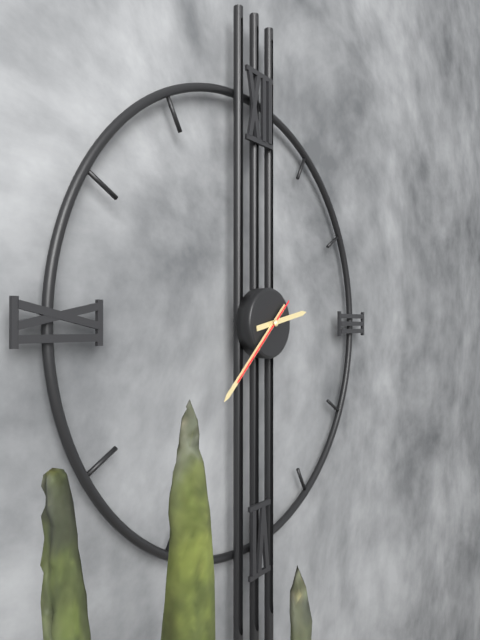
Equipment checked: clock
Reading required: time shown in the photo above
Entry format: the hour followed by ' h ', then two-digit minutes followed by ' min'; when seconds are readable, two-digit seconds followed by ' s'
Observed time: 2 h 38 min 38 s
